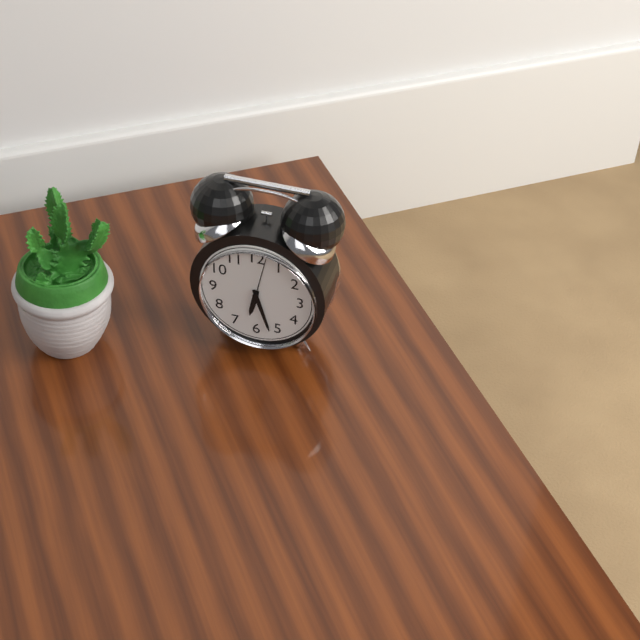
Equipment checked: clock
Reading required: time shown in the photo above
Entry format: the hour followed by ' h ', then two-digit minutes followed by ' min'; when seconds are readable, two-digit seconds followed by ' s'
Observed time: 6 h 27 min
